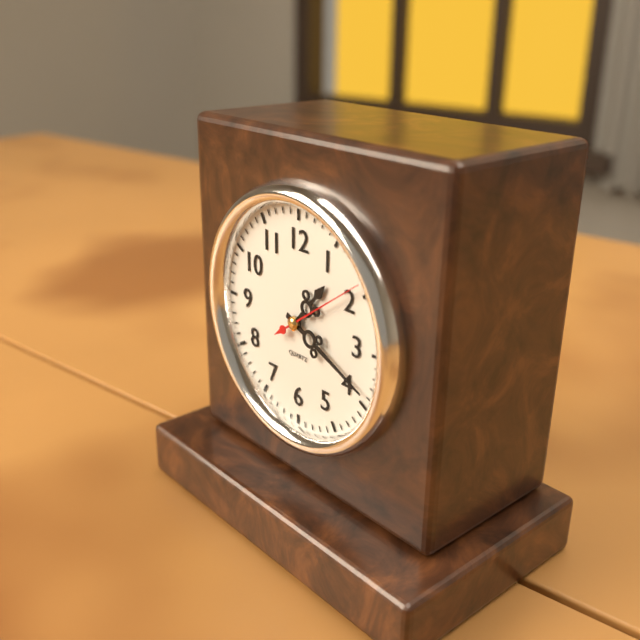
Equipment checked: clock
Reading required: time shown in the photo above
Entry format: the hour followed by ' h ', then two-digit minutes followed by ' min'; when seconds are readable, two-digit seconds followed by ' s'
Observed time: 1 h 19 min 09 s
